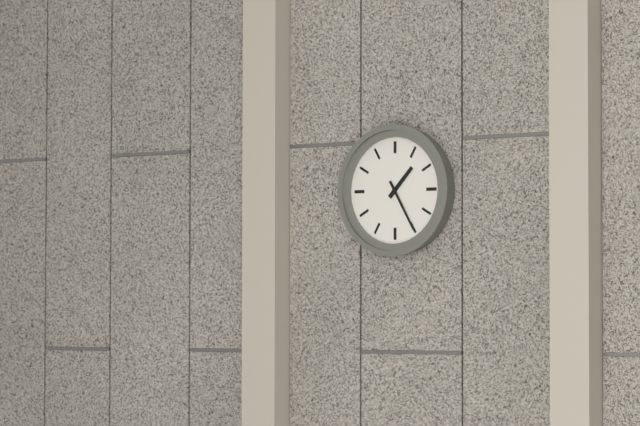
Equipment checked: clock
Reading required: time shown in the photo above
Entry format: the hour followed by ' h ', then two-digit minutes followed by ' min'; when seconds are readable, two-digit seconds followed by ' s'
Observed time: 1 h 25 min
